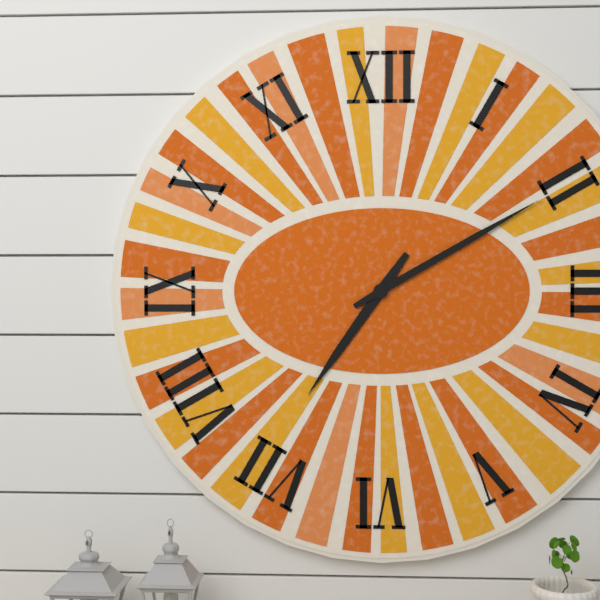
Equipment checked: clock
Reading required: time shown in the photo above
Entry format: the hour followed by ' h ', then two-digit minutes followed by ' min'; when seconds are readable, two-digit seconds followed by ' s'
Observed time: 7 h 10 min
